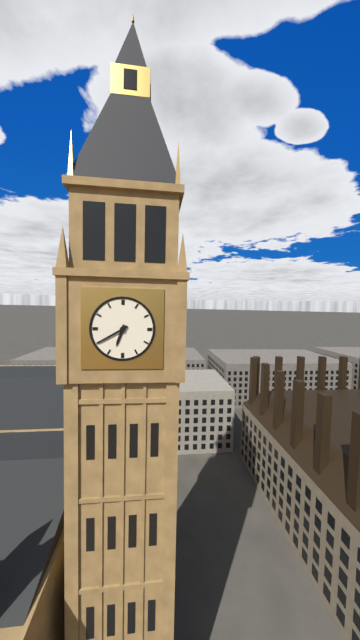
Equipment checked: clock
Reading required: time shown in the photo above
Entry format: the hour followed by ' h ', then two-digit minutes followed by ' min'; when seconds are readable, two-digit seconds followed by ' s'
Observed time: 6 h 40 min
